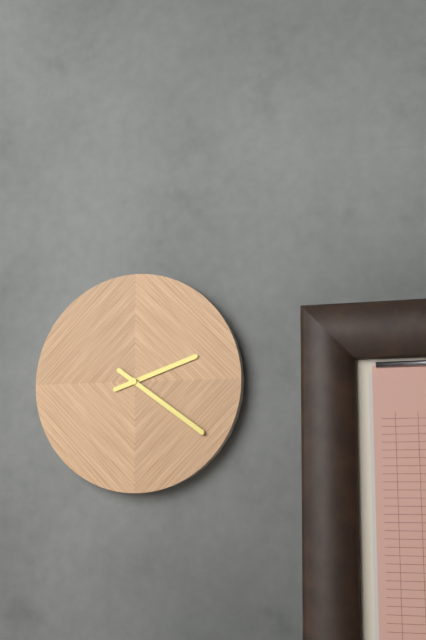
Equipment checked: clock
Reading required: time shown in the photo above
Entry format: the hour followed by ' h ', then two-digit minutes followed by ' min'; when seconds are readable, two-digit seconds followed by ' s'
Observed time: 2 h 21 min
